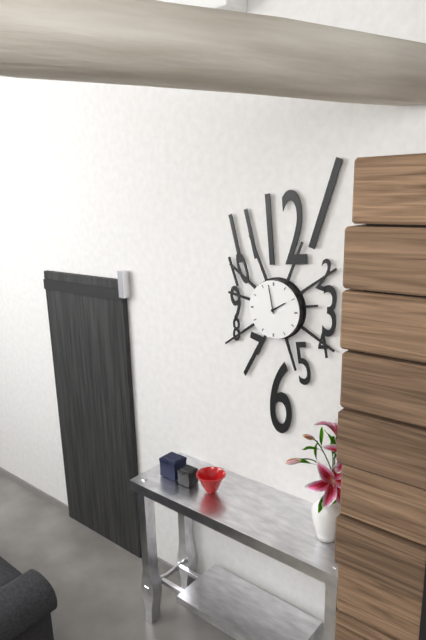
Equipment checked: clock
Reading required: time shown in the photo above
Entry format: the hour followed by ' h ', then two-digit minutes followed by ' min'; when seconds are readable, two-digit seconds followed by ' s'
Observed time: 1 h 58 min
